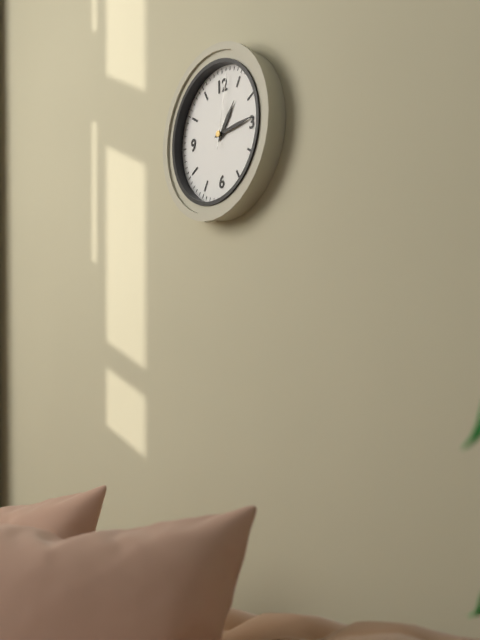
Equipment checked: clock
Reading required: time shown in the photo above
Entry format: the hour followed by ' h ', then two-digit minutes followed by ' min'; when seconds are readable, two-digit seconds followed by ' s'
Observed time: 1 h 14 min 02 s
